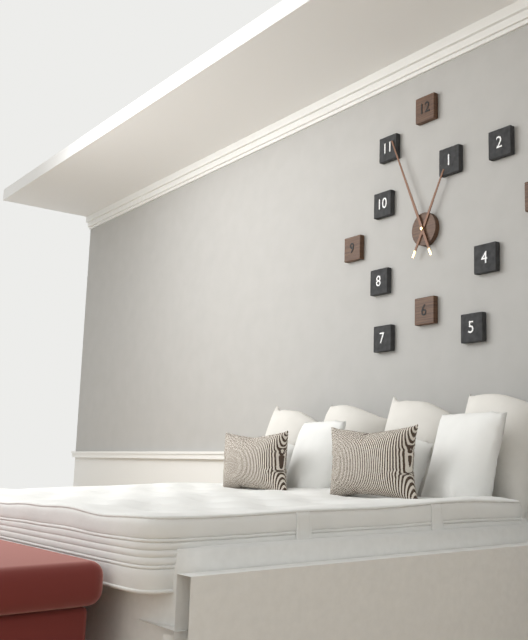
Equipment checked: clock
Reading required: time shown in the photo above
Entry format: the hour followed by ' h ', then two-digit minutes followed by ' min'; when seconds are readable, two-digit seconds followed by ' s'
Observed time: 12 h 56 min
